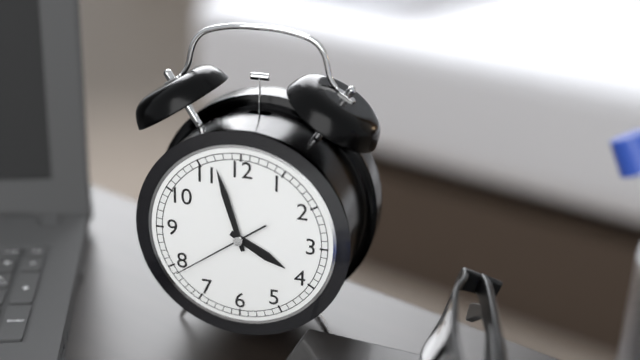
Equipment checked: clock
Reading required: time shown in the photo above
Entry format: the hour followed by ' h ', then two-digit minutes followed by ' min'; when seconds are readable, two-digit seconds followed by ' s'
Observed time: 3 h 57 min 39 s
